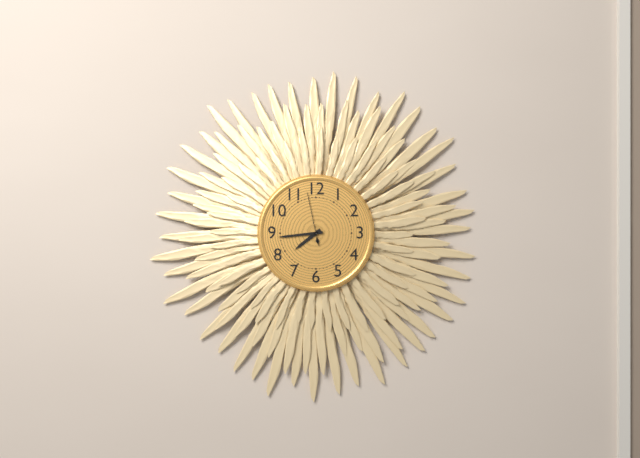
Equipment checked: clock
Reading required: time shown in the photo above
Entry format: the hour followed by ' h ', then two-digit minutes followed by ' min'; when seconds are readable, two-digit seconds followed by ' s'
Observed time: 7 h 44 min 58 s
